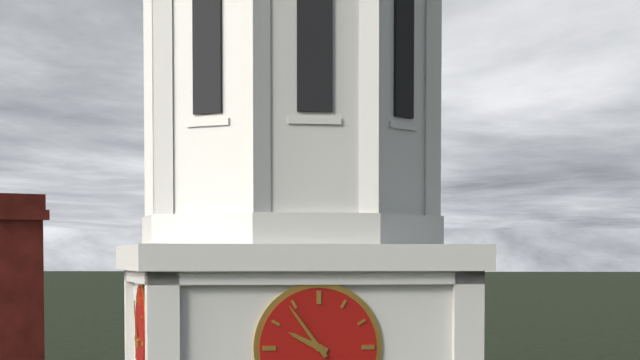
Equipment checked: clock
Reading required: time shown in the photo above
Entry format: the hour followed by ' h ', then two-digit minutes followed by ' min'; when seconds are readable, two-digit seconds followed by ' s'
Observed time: 9 h 54 min
